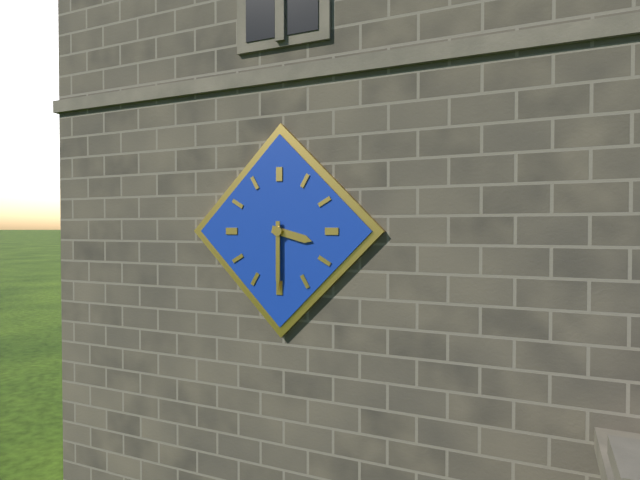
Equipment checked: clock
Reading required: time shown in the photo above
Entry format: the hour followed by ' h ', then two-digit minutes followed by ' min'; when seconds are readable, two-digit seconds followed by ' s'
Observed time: 3 h 30 min
